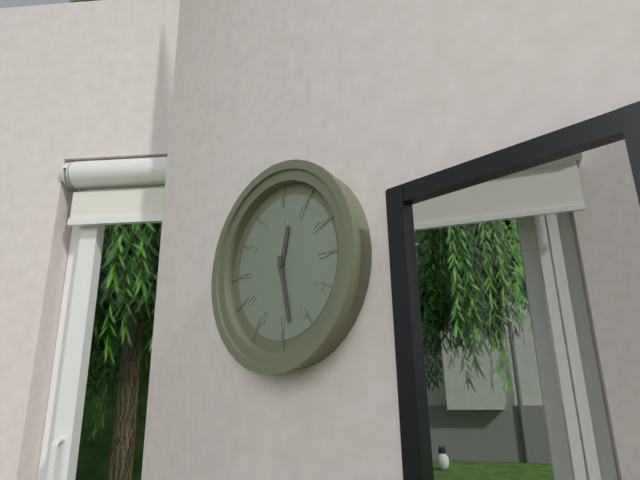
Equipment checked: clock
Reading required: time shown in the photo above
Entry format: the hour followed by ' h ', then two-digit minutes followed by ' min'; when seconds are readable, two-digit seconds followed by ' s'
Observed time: 12 h 28 min
